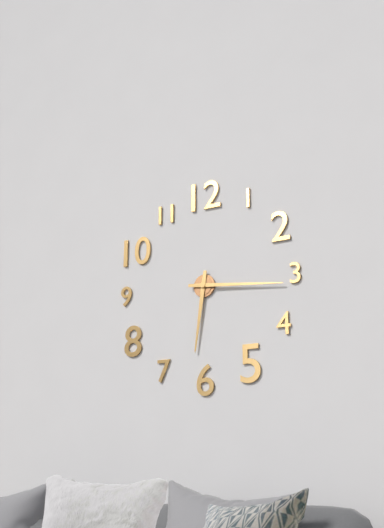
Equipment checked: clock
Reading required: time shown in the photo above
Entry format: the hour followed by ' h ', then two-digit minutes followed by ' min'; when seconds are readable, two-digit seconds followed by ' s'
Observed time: 6 h 16 min
